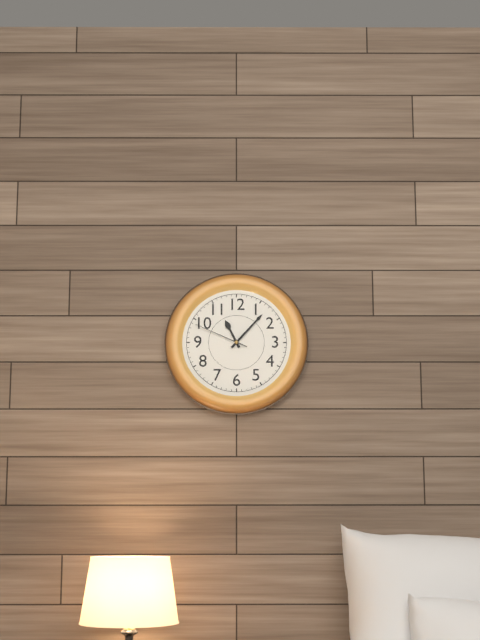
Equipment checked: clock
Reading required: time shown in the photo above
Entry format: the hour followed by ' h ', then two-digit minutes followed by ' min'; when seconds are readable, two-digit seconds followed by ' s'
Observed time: 11 h 07 min 49 s
